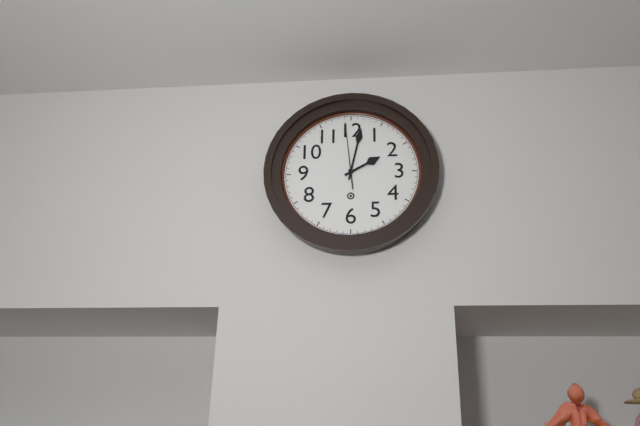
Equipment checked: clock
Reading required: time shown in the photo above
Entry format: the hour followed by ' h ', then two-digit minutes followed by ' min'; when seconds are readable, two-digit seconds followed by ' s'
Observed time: 2 h 02 min 59 s
